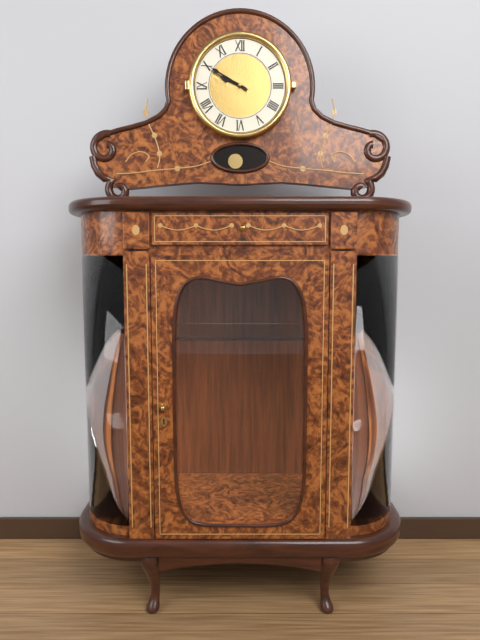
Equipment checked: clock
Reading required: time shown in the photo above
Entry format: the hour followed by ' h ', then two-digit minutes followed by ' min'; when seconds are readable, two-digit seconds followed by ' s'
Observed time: 9 h 50 min
